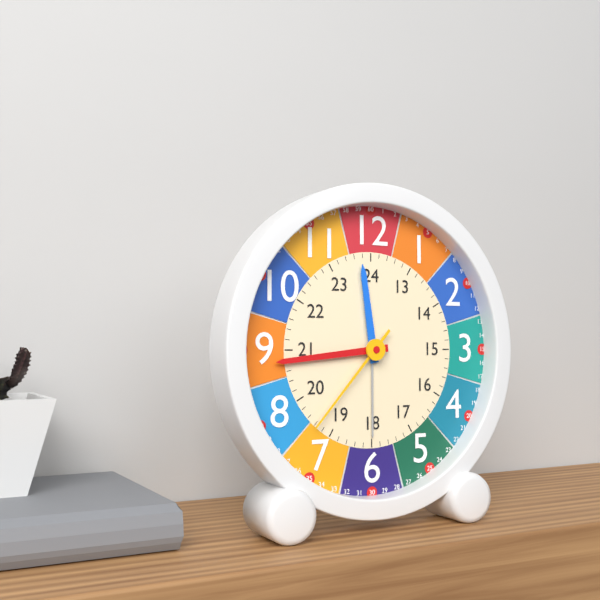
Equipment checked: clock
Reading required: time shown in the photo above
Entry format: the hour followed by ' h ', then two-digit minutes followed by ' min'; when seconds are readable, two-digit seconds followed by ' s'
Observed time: 11 h 44 min 37 s
